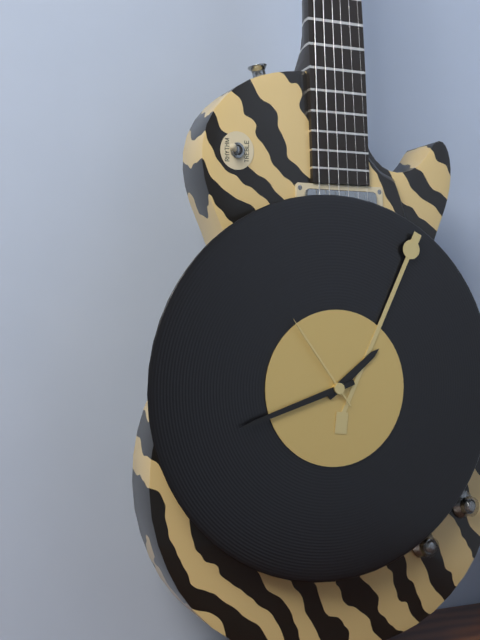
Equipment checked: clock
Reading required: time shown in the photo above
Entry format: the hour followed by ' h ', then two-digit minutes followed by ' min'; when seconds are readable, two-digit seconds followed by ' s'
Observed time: 1 h 42 min 54 s
